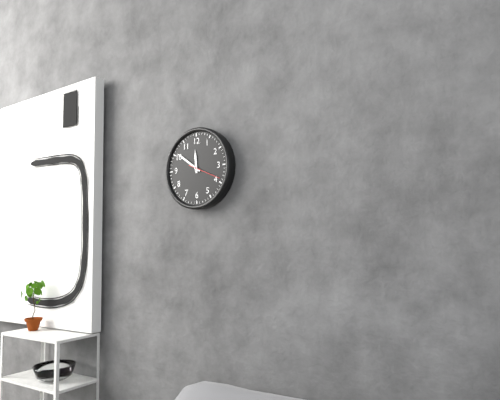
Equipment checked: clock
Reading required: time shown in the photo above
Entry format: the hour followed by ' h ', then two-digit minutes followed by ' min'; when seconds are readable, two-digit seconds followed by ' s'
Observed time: 11 h 51 min
